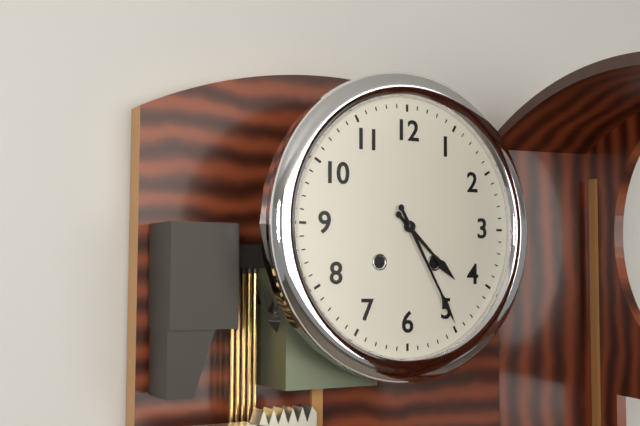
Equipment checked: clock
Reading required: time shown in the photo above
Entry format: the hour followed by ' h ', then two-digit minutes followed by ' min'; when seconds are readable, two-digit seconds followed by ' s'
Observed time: 4 h 25 min
